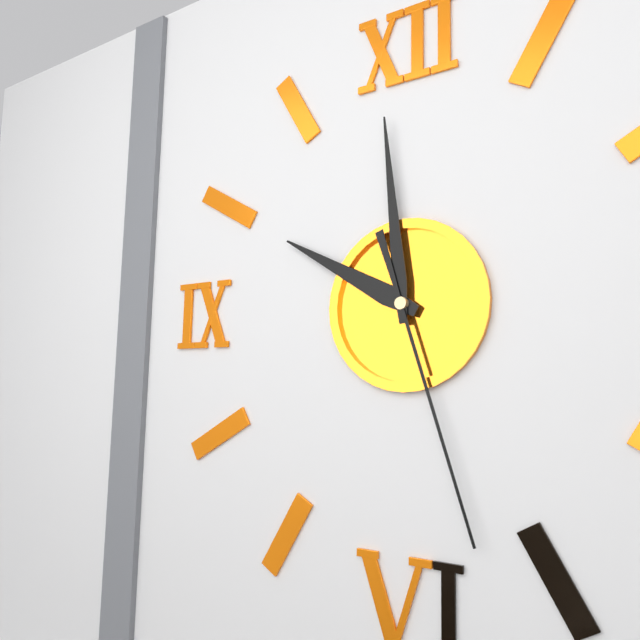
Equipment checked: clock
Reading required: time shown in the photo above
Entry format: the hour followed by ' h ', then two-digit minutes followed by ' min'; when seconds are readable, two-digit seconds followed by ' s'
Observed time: 9 h 59 min 27 s
